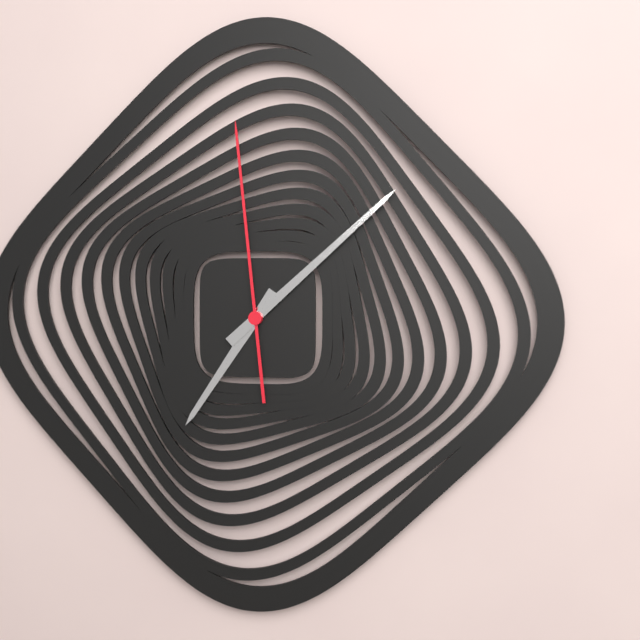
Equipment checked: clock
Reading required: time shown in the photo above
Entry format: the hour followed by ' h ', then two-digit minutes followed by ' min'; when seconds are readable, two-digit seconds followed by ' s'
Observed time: 7 h 08 min 59 s
